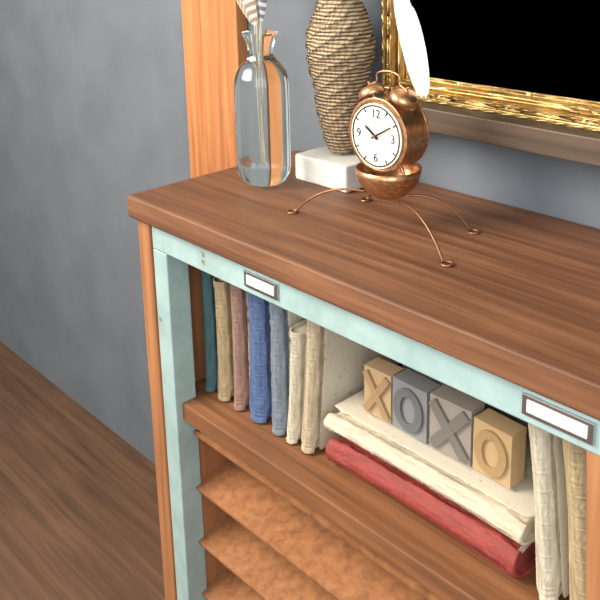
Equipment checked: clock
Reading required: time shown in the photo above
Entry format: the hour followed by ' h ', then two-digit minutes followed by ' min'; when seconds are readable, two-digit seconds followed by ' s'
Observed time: 10 h 10 min
